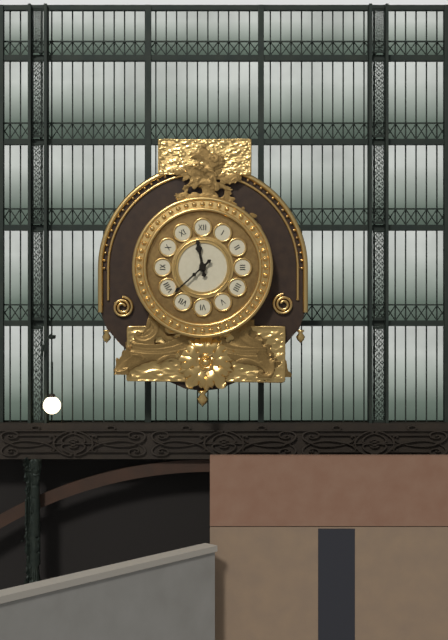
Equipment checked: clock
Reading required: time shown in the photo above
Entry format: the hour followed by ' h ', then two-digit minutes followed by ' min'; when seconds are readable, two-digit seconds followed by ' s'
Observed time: 11 h 38 min
